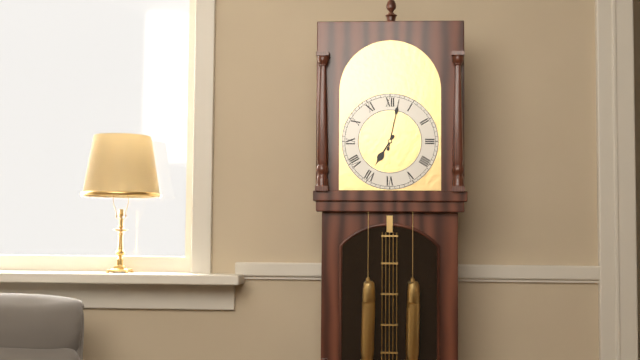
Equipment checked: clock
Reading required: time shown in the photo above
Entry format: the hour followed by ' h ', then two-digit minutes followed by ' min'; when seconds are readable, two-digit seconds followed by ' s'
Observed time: 7 h 02 min
